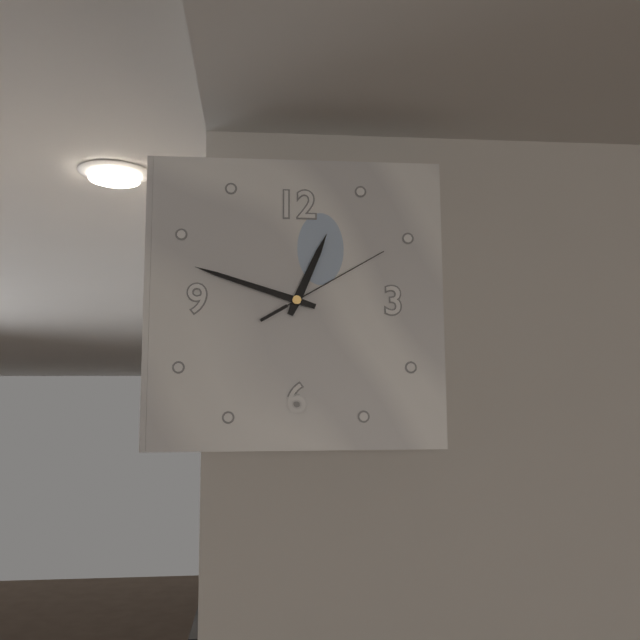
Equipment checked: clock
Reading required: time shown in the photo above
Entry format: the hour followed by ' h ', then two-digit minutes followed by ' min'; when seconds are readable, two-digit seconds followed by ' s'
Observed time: 12 h 48 min 10 s
